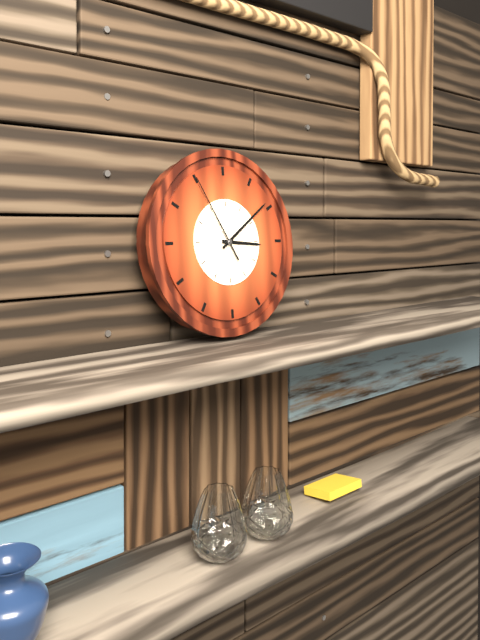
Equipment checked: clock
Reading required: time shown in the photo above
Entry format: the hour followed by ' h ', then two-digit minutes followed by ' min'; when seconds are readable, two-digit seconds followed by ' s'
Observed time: 3 h 09 min 55 s
